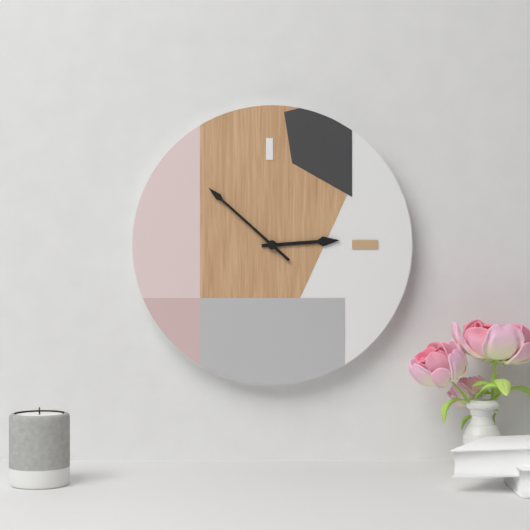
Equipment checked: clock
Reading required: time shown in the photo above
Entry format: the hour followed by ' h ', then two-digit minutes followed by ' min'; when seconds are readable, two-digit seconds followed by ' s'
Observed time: 2 h 52 min
